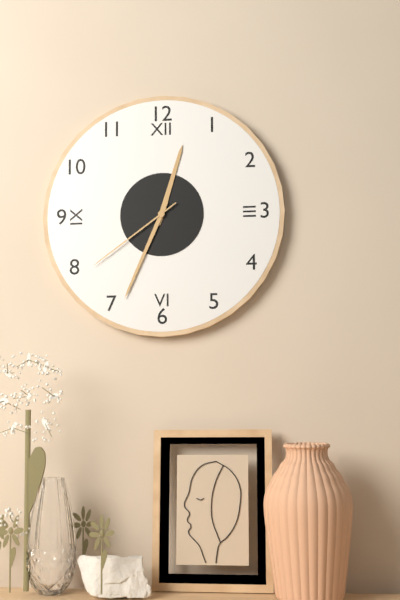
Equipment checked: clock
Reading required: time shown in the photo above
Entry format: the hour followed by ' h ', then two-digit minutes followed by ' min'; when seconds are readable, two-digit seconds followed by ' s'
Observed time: 12 h 34 min 39 s
